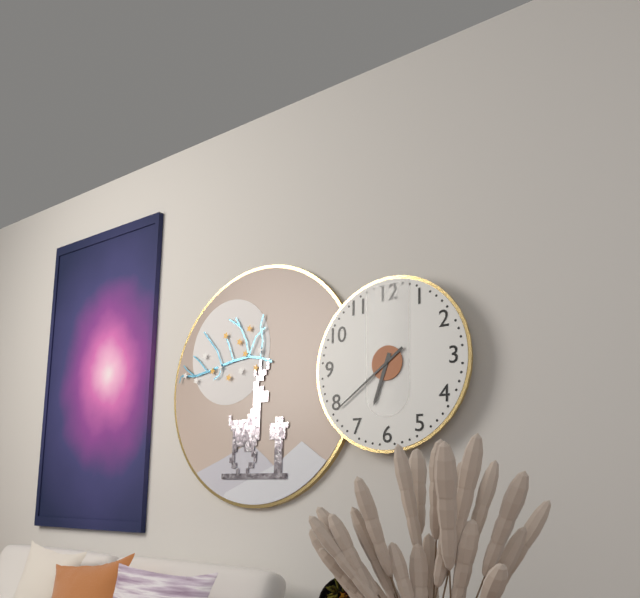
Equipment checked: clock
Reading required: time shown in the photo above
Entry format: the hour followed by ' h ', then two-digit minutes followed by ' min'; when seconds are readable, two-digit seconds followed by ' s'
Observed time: 6 h 39 min
